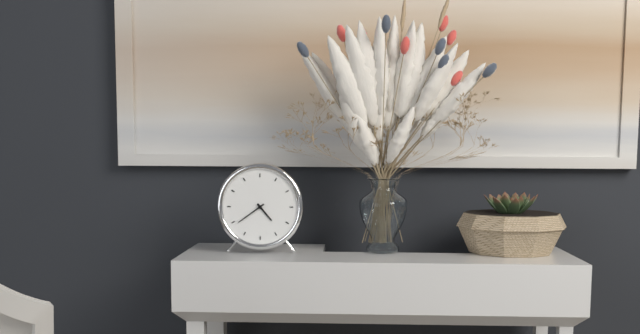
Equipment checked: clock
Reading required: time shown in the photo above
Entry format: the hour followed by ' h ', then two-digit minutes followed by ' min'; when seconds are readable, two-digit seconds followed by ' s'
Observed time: 4 h 39 min
